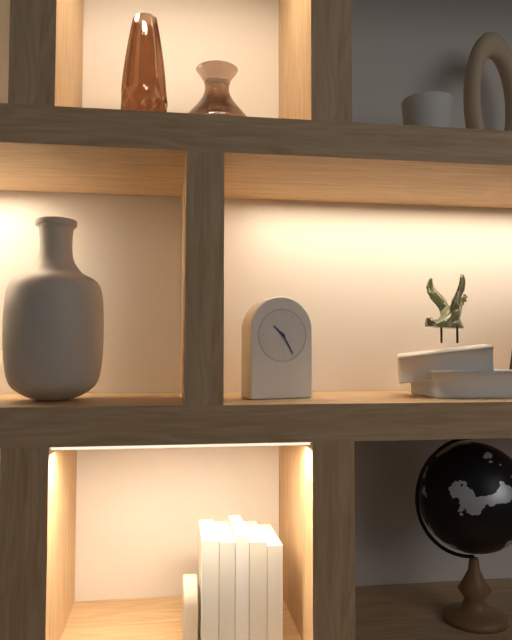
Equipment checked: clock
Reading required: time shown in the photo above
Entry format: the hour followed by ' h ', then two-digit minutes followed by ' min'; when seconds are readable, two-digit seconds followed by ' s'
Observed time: 10 h 25 min
